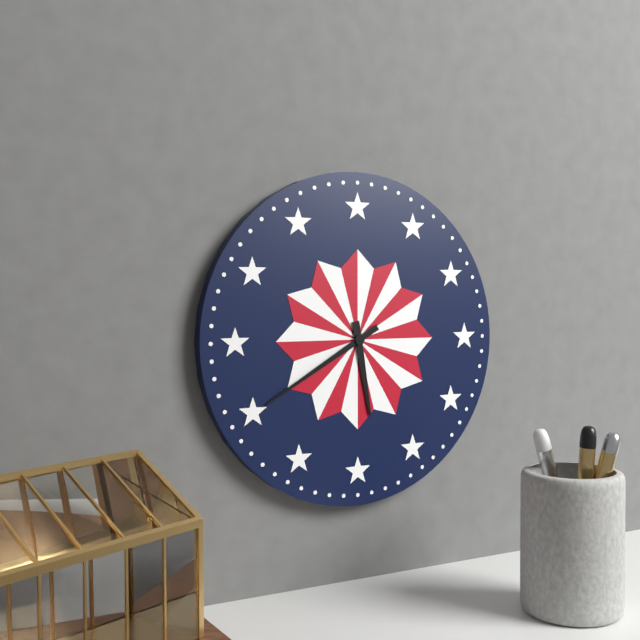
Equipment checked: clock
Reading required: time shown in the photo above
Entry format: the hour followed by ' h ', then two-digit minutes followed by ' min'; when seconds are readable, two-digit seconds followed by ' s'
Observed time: 5 h 40 min
